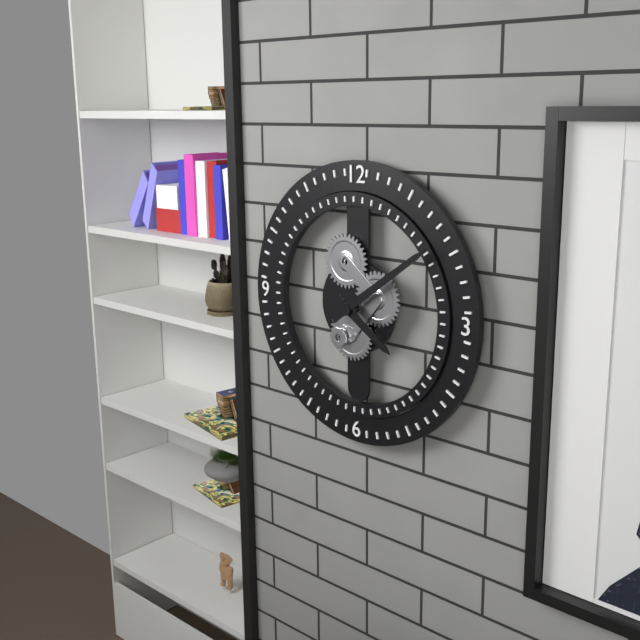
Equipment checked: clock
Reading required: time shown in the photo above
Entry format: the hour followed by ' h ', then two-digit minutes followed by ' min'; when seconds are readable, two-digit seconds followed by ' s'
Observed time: 4 h 09 min
